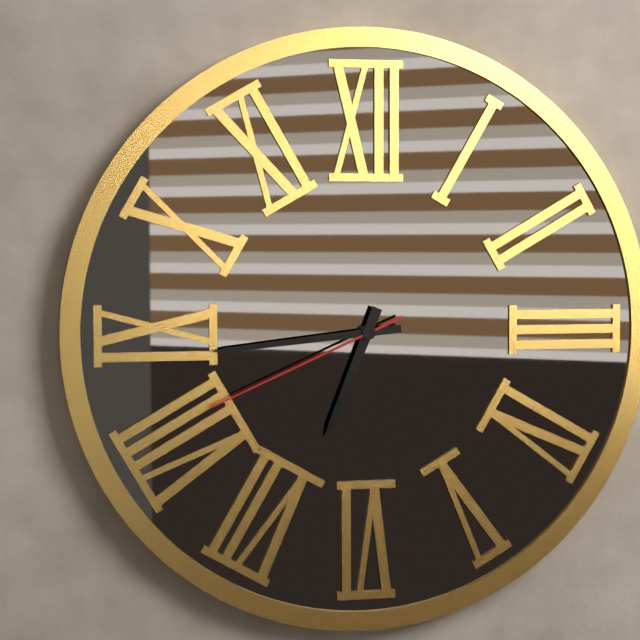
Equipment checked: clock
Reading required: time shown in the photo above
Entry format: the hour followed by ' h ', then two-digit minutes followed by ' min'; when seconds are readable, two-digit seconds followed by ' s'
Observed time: 6 h 44 min 41 s
